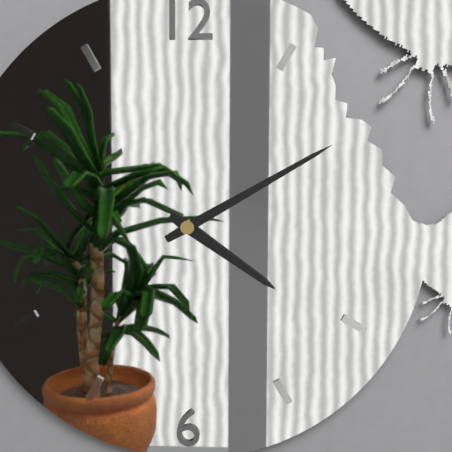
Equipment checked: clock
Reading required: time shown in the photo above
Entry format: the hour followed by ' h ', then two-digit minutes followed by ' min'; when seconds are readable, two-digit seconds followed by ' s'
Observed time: 4 h 10 min
